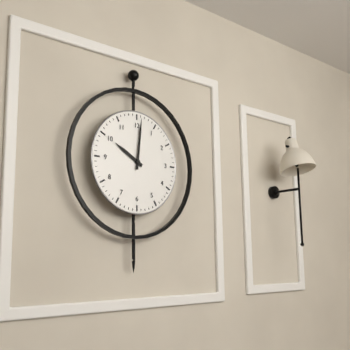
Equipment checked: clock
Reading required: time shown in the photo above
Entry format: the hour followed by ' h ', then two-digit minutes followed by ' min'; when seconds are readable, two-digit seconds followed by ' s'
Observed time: 10 h 01 min
